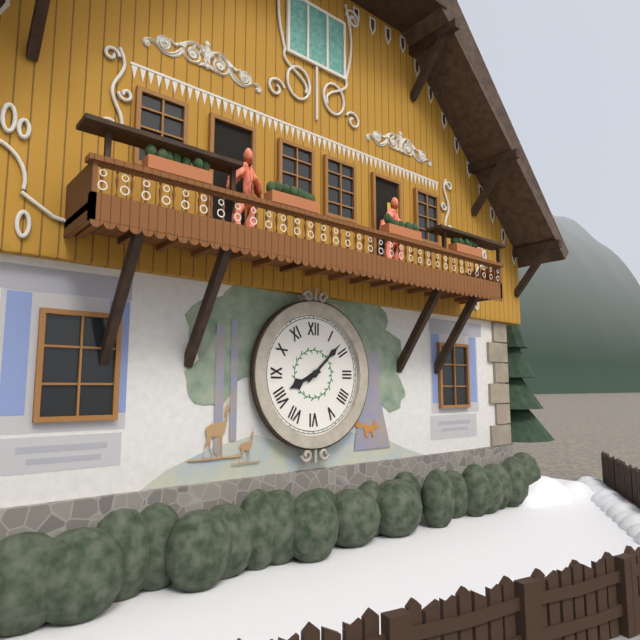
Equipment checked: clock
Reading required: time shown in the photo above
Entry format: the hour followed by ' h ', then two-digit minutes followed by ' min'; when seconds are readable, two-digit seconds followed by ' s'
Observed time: 8 h 08 min
